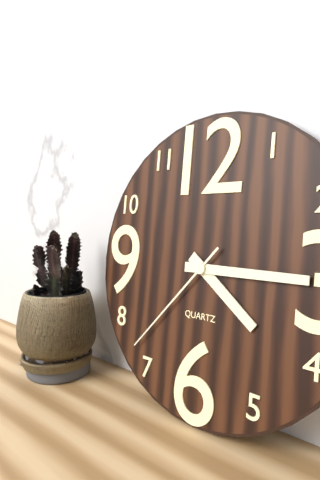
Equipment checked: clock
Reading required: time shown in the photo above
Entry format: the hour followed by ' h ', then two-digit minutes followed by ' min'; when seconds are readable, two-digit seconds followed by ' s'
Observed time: 4 h 15 min 37 s
